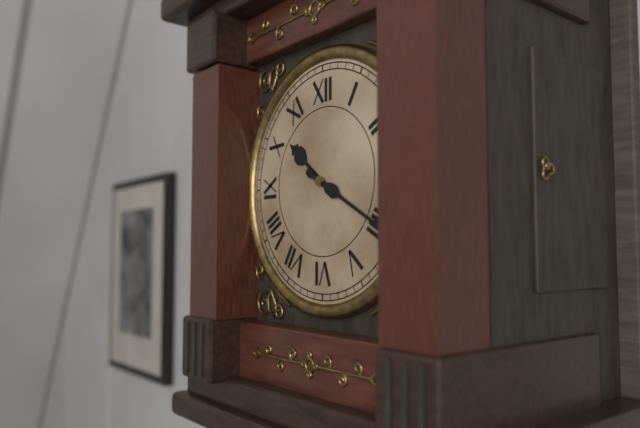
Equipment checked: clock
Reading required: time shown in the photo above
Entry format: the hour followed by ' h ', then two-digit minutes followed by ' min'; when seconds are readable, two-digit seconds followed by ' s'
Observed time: 10 h 20 min
